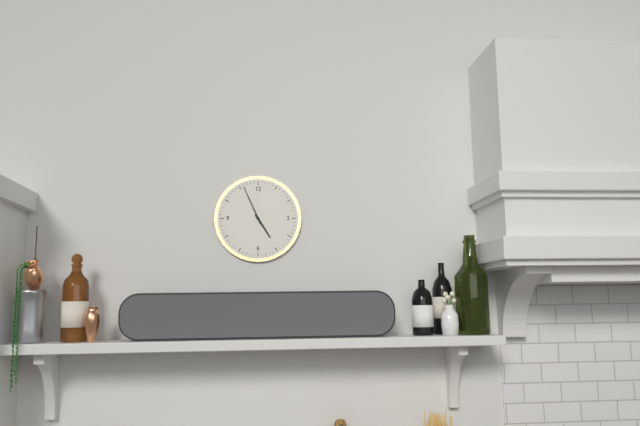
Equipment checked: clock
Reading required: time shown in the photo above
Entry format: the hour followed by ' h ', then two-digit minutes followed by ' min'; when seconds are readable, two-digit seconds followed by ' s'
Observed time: 4 h 56 min
